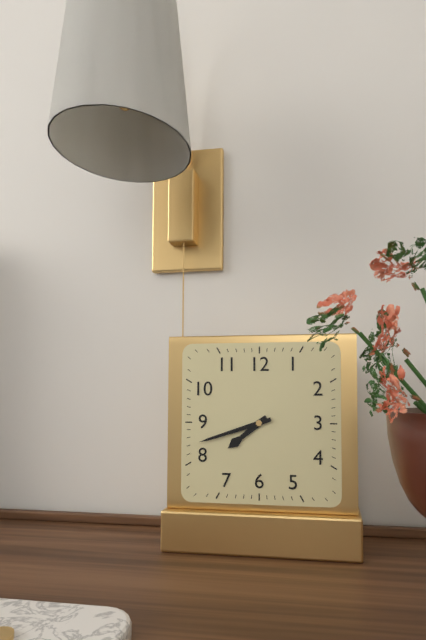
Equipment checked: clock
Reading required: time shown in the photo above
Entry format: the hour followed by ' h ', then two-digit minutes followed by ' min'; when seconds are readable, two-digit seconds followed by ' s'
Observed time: 7 h 42 min
